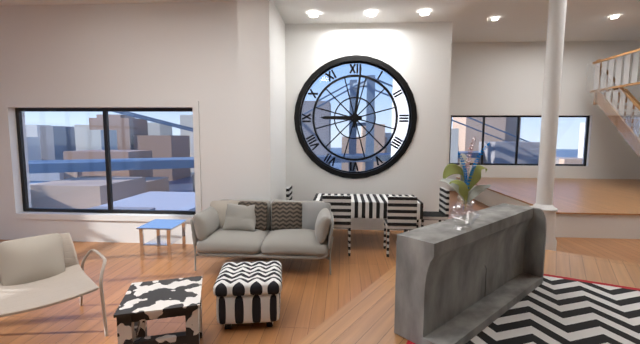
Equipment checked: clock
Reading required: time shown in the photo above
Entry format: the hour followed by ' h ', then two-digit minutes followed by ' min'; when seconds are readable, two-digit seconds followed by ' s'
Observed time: 9 h 01 min
